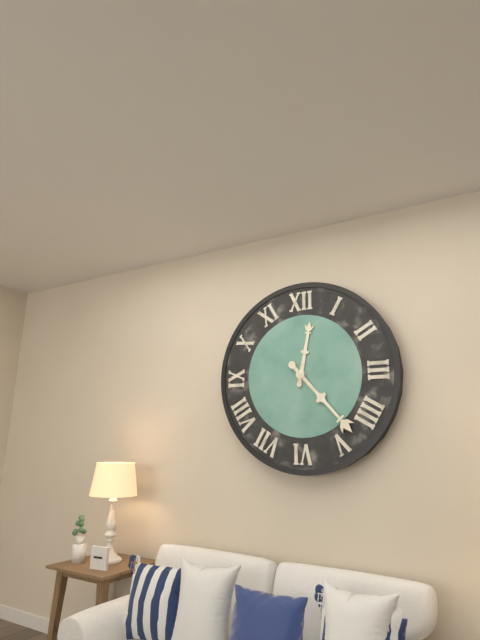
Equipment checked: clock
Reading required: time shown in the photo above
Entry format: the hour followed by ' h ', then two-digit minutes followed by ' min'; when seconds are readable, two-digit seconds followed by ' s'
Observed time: 12 h 23 min
